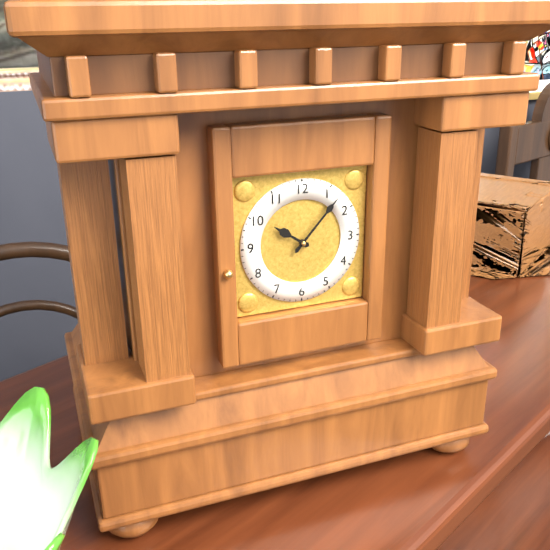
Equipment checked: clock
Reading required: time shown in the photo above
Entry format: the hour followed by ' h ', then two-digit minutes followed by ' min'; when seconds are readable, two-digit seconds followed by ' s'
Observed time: 10 h 07 min
